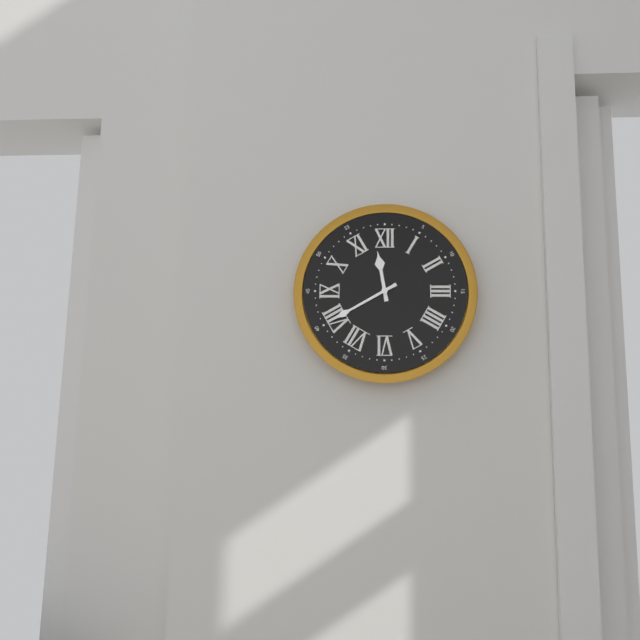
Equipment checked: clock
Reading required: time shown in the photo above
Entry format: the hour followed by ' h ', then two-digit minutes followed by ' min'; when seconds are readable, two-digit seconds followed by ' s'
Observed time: 11 h 40 min
